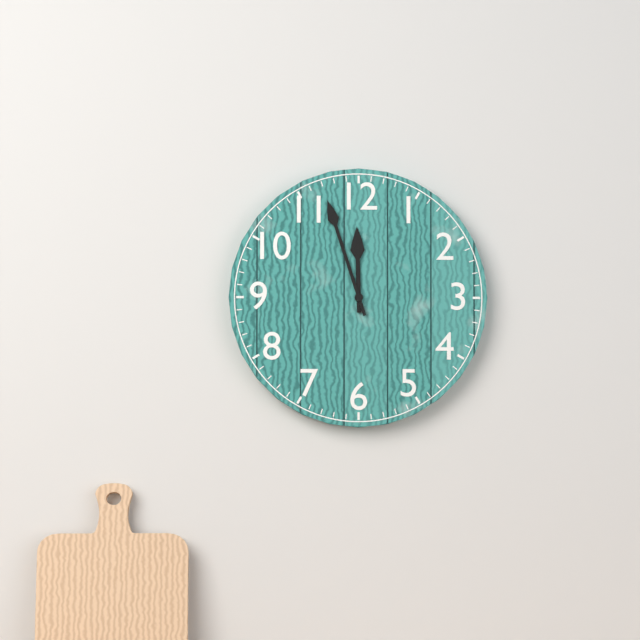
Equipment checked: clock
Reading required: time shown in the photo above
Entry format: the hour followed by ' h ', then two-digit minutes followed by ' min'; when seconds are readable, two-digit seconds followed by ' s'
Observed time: 11 h 57 min
